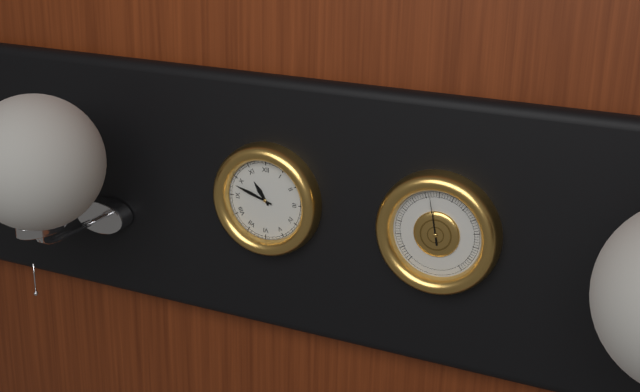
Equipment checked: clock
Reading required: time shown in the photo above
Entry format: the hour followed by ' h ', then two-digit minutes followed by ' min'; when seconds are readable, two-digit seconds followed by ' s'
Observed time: 10 h 48 min
